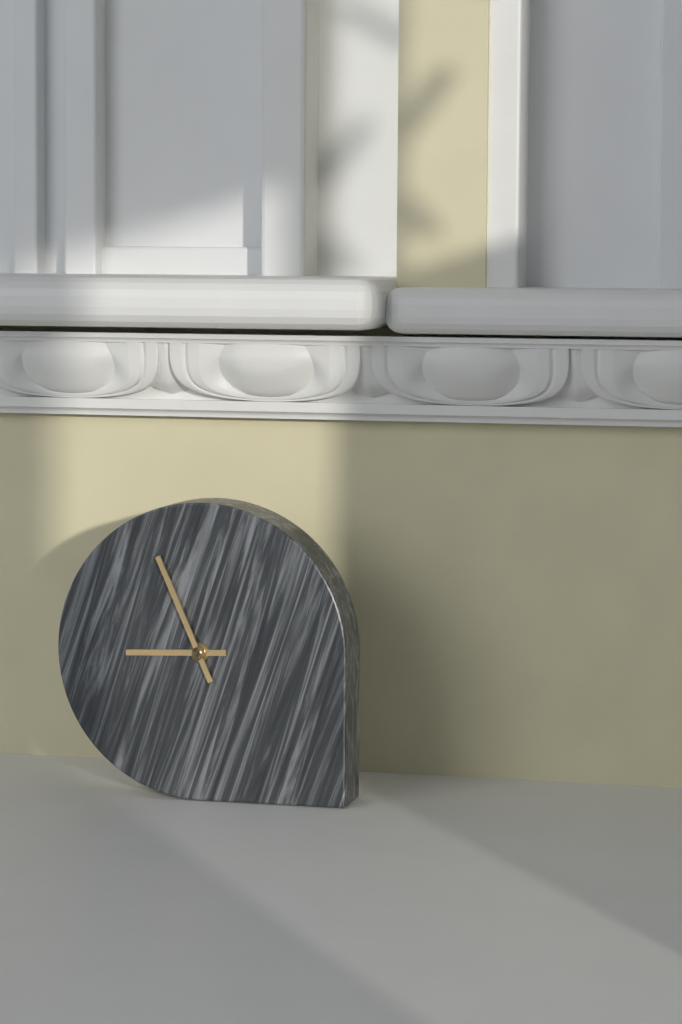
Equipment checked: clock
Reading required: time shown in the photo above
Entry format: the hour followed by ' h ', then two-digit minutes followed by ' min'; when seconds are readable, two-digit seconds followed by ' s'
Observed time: 8 h 56 min
